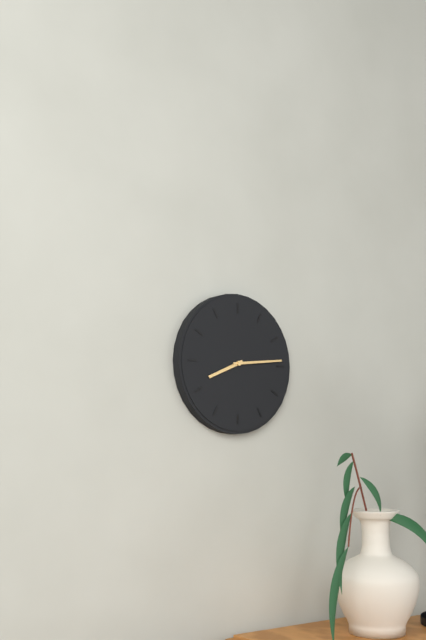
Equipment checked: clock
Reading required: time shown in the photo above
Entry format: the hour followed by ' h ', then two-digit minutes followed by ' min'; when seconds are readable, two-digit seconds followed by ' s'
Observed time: 8 h 14 min
